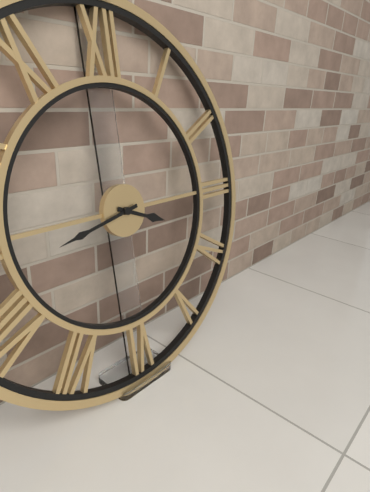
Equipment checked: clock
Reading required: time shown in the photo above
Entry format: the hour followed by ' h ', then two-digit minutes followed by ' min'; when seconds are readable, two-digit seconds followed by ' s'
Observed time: 3 h 43 min
